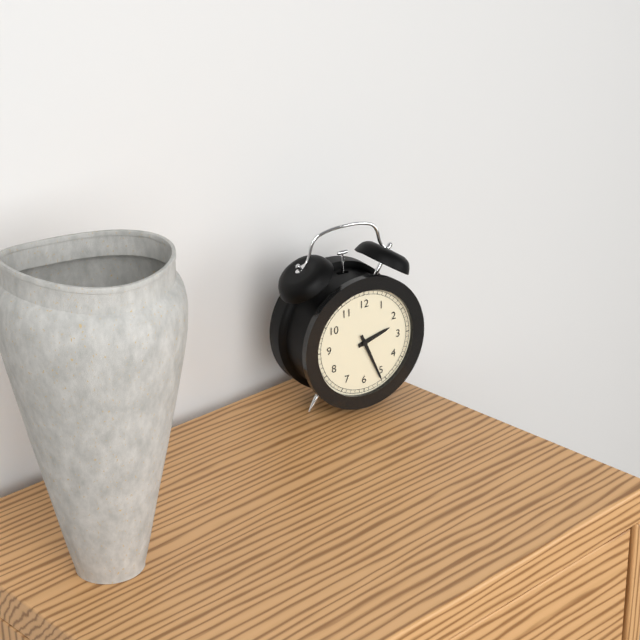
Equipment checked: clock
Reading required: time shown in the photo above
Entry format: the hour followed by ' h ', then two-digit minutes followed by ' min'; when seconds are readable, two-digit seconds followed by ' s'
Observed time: 2 h 26 min
